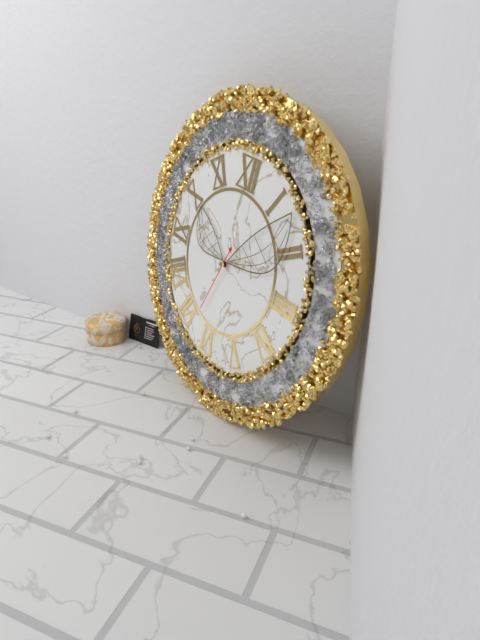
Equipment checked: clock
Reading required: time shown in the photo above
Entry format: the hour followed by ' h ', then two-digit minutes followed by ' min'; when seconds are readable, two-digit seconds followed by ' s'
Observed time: 10 h 07 min 33 s
